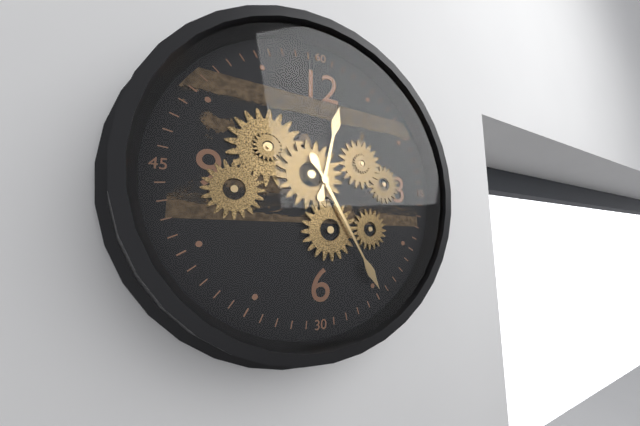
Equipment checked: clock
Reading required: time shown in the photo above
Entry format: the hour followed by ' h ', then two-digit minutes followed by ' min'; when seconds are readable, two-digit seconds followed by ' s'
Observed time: 12 h 25 min
